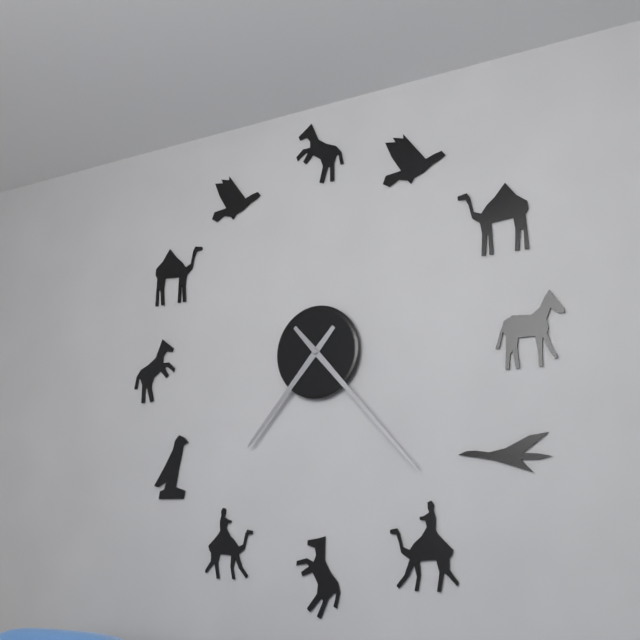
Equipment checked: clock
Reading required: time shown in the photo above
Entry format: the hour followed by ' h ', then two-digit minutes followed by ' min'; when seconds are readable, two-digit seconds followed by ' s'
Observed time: 7 h 23 min
